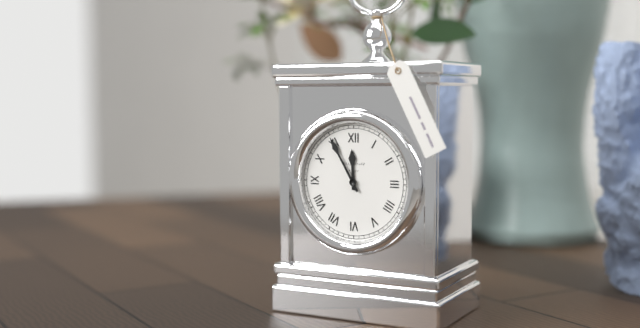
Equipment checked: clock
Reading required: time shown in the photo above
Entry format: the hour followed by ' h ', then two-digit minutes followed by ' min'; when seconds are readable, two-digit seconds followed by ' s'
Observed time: 11 h 55 min
